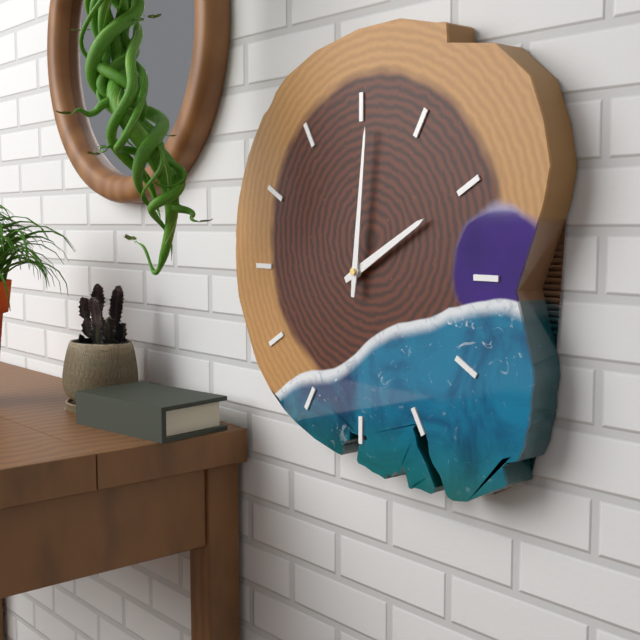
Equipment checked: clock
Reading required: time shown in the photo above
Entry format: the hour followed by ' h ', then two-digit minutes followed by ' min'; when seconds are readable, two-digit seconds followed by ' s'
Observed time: 2 h 01 min
